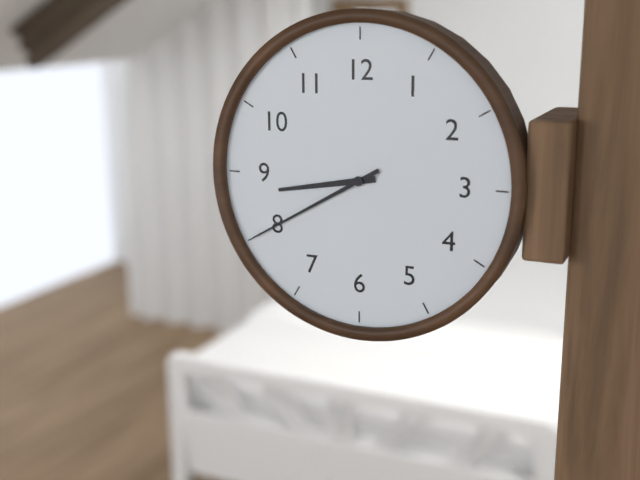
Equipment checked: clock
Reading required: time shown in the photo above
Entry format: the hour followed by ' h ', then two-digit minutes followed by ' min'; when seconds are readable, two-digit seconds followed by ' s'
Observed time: 8 h 40 min
